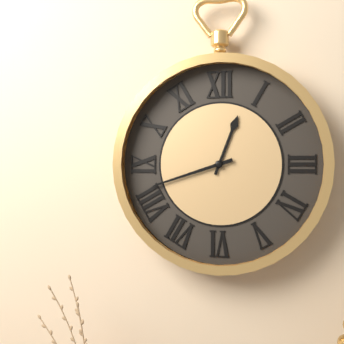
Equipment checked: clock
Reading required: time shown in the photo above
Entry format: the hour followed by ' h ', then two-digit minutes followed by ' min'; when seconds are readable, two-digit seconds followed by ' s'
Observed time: 12 h 42 min
